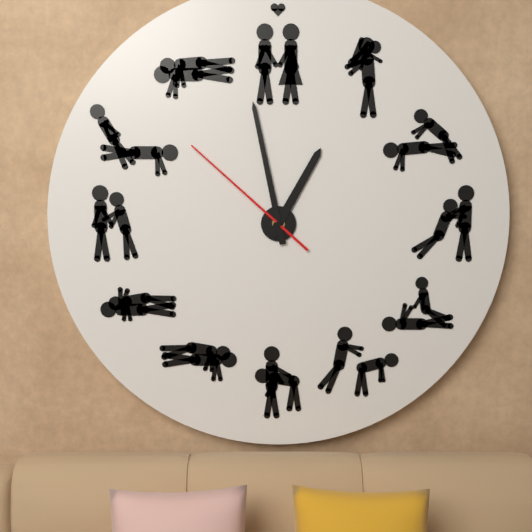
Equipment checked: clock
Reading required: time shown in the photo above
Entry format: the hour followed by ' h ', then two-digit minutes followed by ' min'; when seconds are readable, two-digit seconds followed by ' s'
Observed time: 12 h 58 min 52 s
